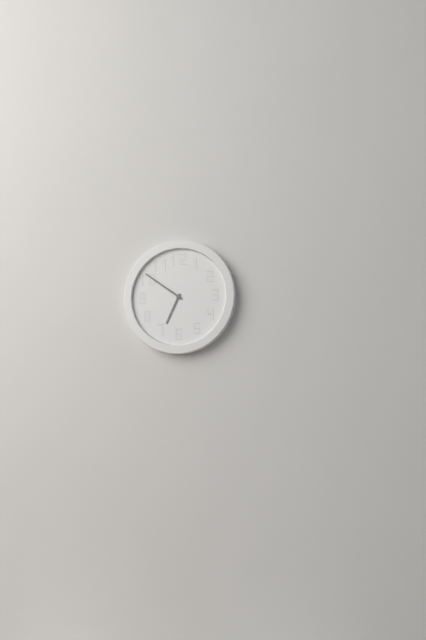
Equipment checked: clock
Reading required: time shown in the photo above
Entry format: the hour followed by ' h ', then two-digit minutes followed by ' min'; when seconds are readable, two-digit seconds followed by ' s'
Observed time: 6 h 51 min
